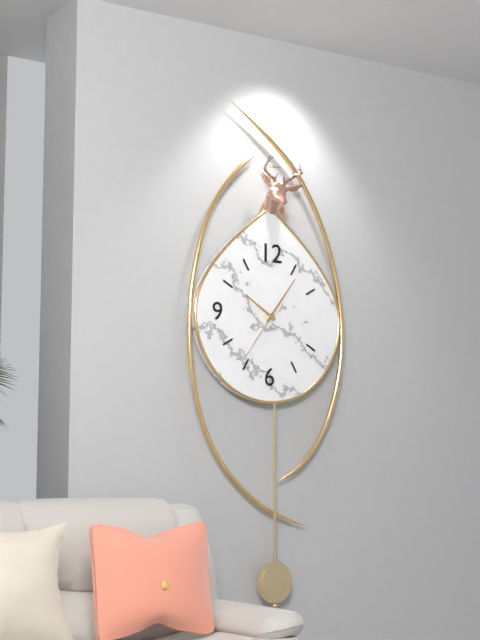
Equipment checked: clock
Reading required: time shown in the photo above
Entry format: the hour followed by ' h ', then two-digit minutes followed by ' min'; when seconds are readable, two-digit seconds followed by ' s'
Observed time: 10 h 06 min 36 s
